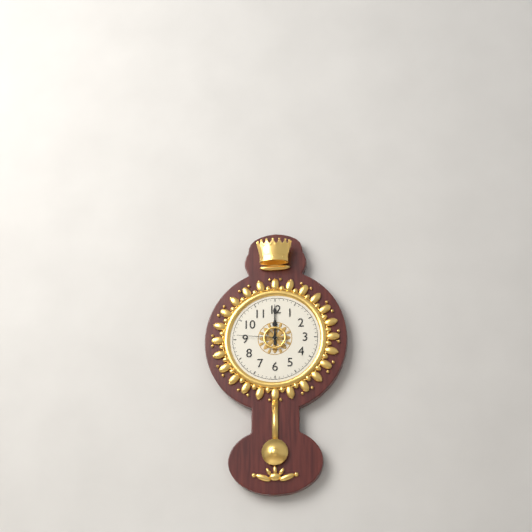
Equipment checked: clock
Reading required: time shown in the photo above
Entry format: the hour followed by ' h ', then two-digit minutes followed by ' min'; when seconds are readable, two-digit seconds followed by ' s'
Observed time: 12 h 00 min
